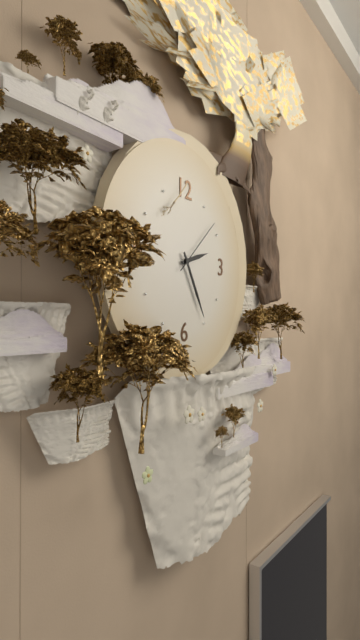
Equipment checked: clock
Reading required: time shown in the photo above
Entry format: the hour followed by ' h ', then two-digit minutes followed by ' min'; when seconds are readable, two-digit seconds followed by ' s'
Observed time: 2 h 25 min 08 s
